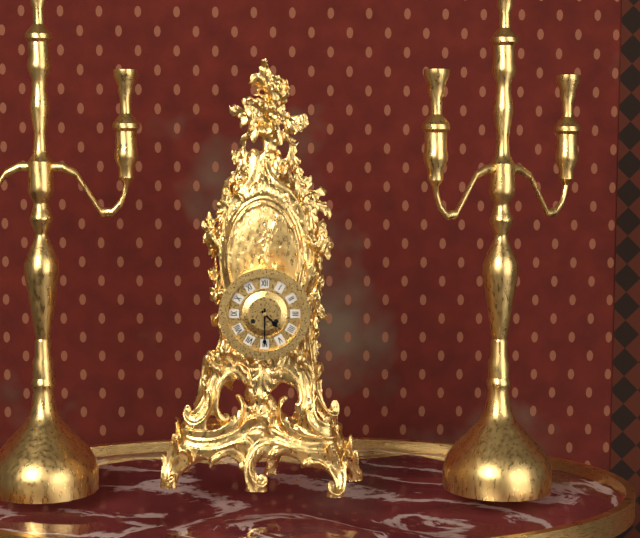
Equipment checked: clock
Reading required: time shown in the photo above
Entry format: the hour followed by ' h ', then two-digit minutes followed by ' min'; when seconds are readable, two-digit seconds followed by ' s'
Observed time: 4 h 30 min
